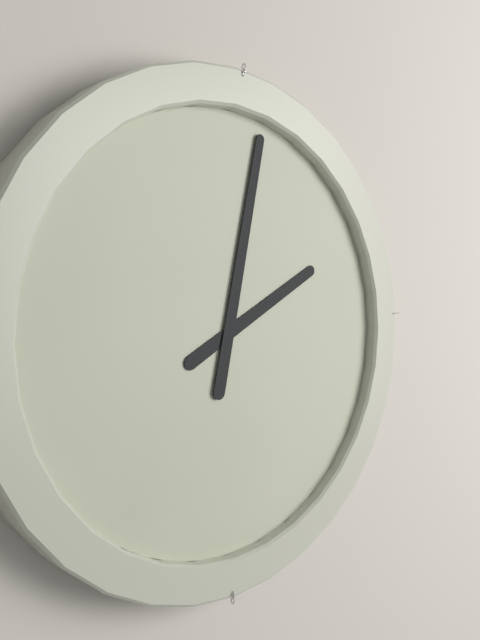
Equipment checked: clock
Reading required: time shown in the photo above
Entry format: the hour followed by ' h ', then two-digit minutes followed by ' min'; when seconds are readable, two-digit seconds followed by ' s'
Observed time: 2 h 02 min
